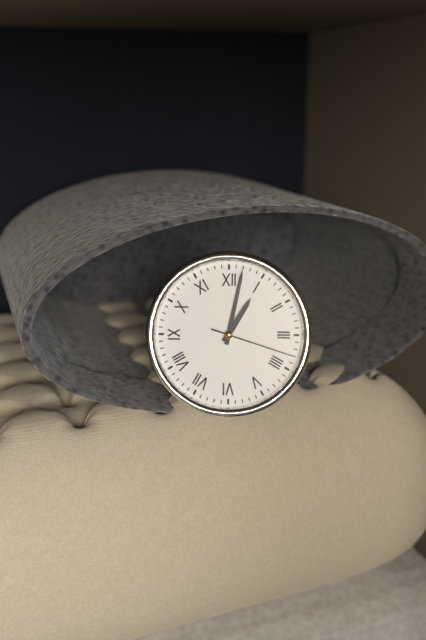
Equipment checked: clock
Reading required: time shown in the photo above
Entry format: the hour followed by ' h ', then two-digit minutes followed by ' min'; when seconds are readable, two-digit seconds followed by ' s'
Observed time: 1 h 02 min 18 s
